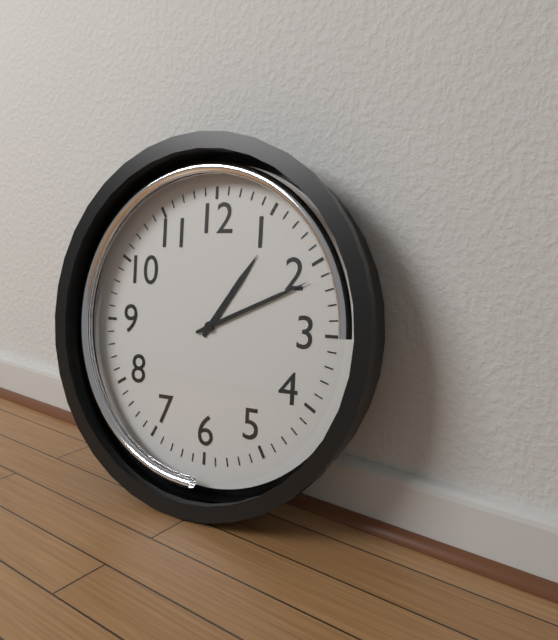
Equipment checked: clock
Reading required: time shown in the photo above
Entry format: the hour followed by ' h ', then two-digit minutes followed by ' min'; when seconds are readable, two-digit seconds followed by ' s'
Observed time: 1 h 11 min
